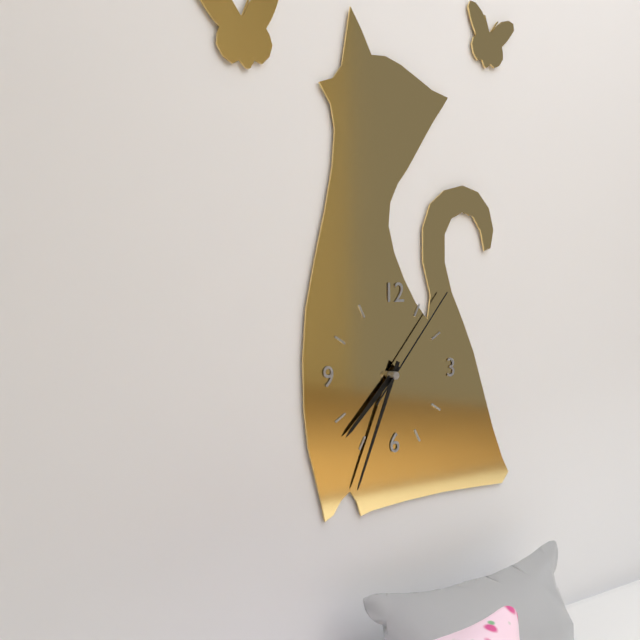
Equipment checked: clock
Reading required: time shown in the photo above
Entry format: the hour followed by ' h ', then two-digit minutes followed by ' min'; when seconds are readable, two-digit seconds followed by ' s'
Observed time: 7 h 34 min 07 s
